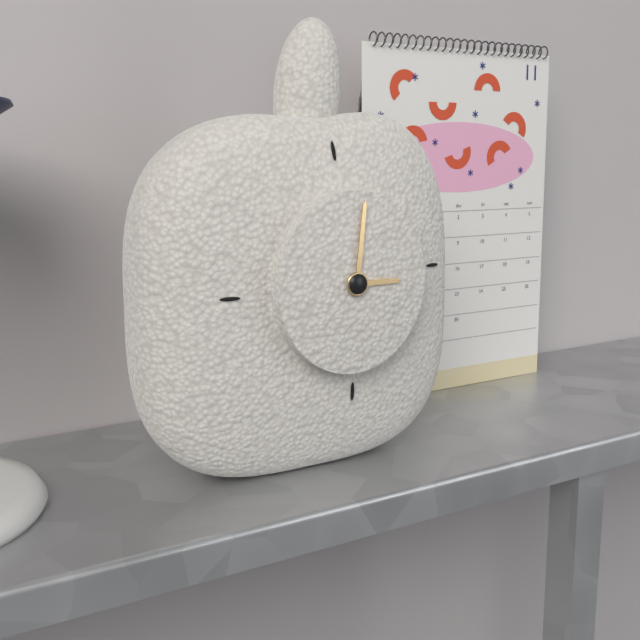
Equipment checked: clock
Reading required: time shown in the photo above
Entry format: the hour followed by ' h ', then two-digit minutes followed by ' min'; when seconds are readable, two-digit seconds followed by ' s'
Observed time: 3 h 01 min
